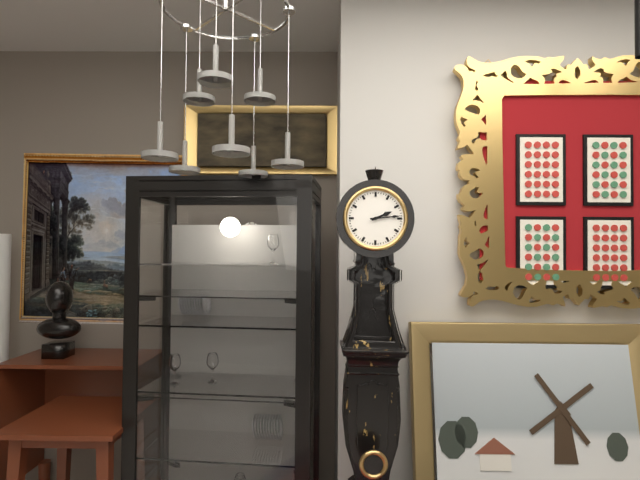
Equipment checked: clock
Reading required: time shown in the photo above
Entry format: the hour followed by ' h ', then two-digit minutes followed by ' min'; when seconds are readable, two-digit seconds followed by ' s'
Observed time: 2 h 14 min
